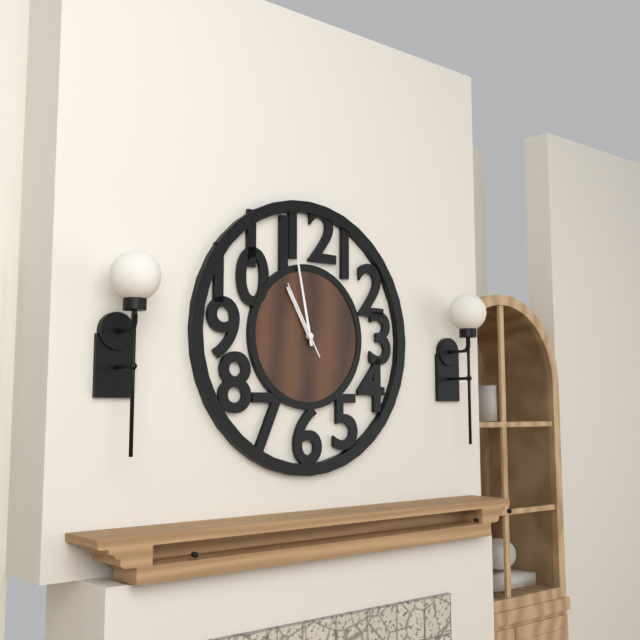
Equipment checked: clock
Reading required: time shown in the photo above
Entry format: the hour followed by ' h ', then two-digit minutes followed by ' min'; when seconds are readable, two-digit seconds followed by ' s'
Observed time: 10 h 58 min 55 s
